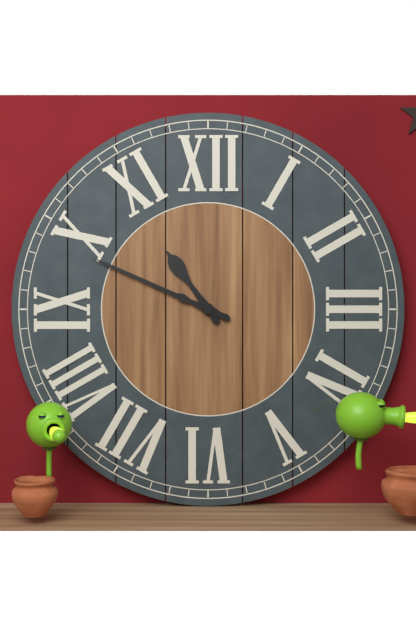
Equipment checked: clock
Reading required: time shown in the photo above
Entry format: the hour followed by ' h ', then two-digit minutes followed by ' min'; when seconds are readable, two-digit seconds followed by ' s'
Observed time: 10 h 49 min
